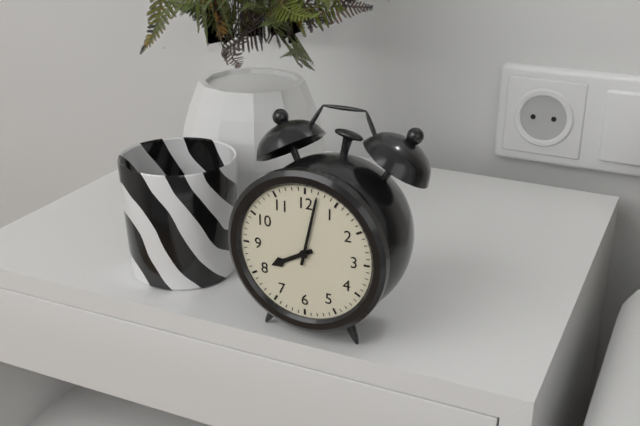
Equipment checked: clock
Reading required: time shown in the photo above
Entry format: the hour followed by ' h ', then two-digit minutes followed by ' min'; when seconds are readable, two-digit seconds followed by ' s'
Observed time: 8 h 02 min
